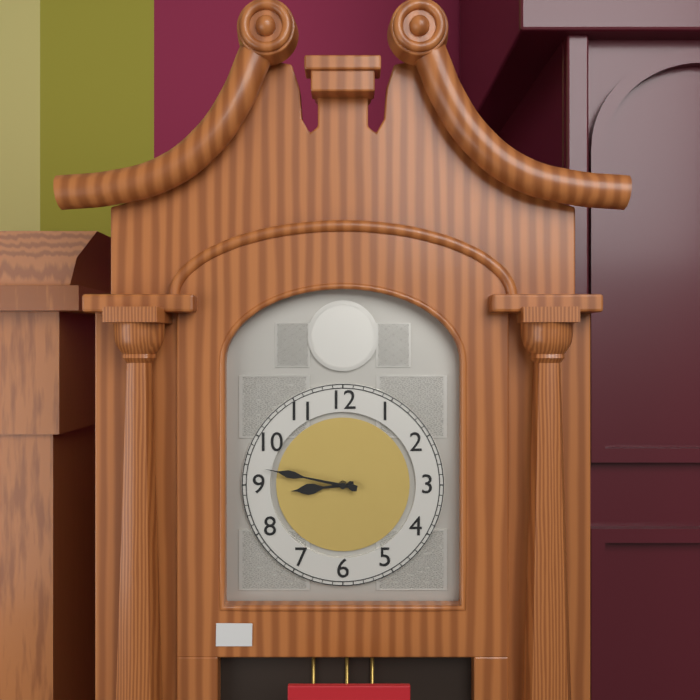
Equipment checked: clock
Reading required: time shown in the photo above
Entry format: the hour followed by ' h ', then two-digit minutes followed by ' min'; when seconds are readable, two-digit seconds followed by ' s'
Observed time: 8 h 47 min
